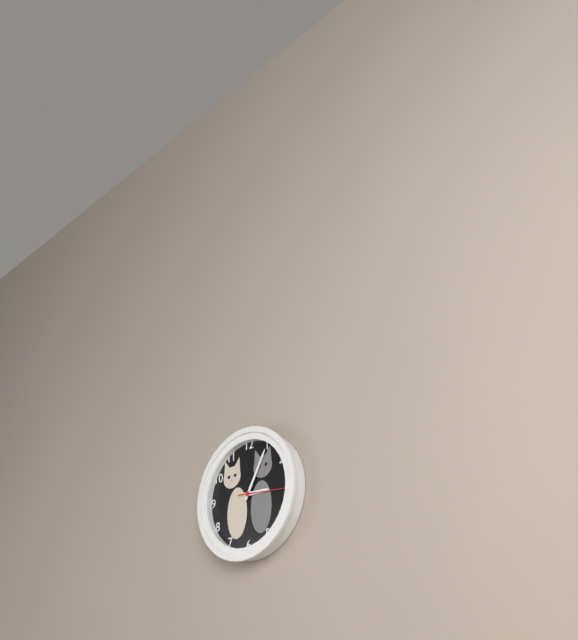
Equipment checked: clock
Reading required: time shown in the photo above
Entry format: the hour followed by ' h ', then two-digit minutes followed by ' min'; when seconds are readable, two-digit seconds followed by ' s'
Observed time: 3 h 05 min
